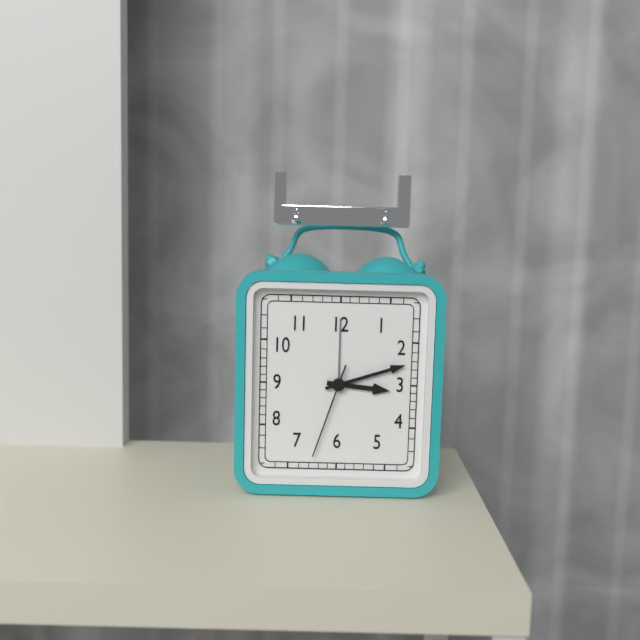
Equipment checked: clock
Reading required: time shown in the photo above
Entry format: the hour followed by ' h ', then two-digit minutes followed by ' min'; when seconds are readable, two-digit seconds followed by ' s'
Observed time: 3 h 12 min 33 s
